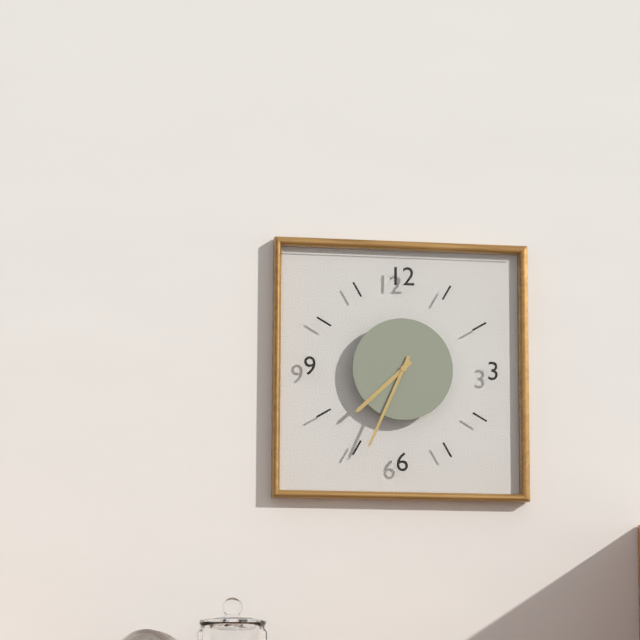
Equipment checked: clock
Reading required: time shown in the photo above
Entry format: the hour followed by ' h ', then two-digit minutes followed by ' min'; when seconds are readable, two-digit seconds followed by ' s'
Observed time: 7 h 34 min
